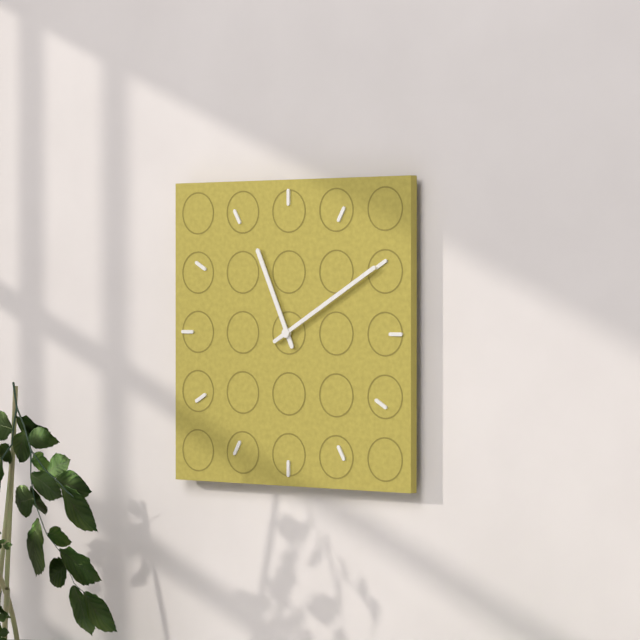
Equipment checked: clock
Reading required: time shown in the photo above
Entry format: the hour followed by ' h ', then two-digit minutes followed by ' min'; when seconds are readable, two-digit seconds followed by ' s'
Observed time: 11 h 10 min
